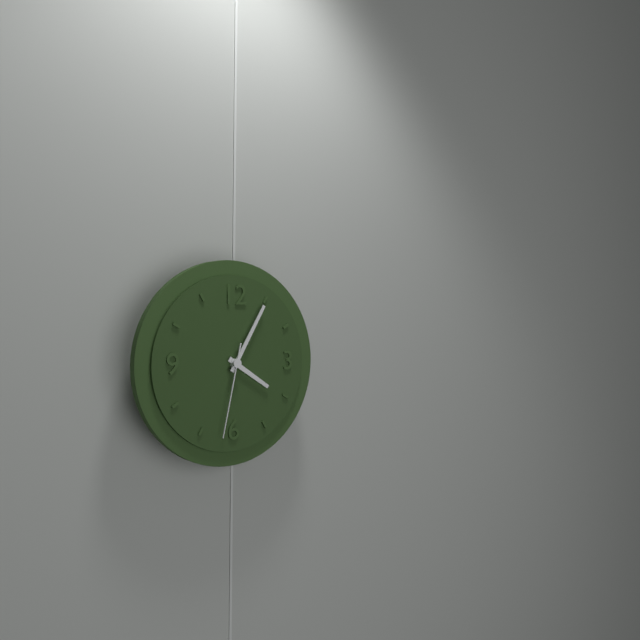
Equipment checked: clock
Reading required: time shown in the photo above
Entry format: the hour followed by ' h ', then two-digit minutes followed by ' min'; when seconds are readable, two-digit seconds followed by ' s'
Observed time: 4 h 05 min 32 s
